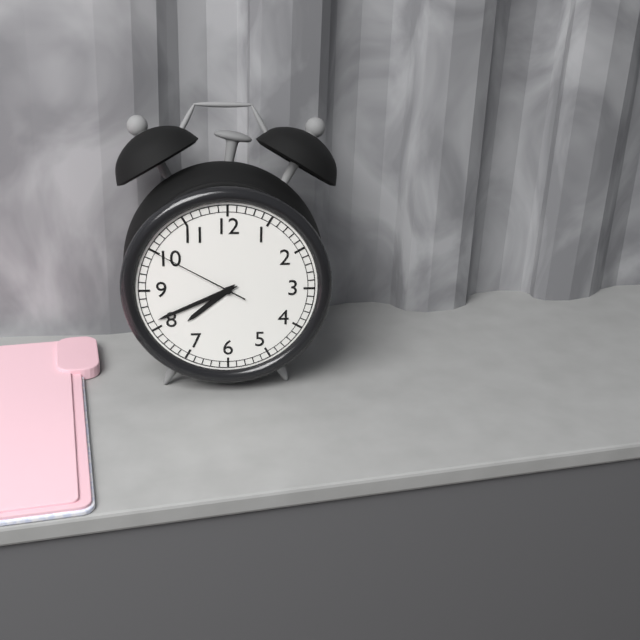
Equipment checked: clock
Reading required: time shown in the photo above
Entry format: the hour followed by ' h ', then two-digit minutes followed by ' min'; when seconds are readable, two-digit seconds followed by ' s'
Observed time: 7 h 41 min 50 s
